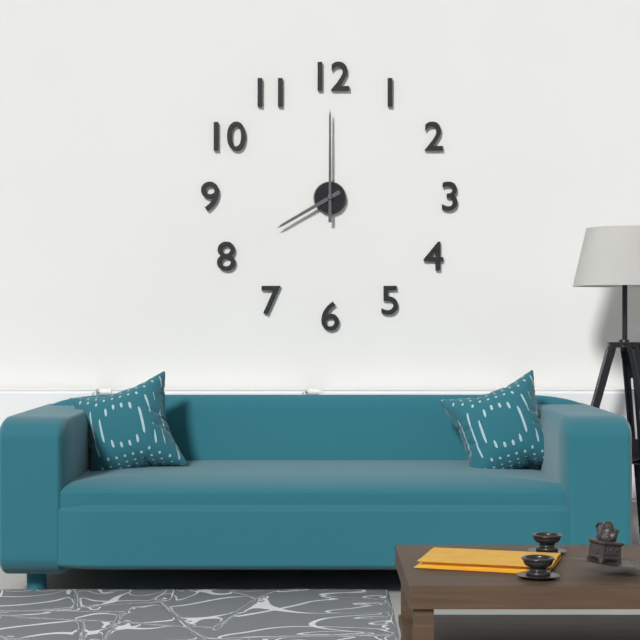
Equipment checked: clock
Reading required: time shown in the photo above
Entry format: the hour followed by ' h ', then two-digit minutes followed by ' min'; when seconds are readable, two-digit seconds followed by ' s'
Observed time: 8 h 00 min
